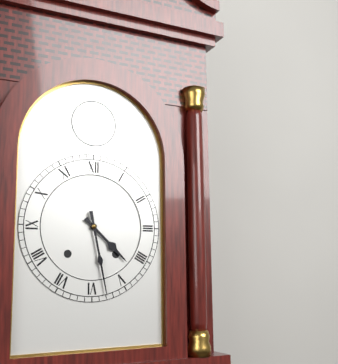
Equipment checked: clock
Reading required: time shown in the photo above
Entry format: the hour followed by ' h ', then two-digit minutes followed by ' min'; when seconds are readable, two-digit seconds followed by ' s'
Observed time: 4 h 28 min
